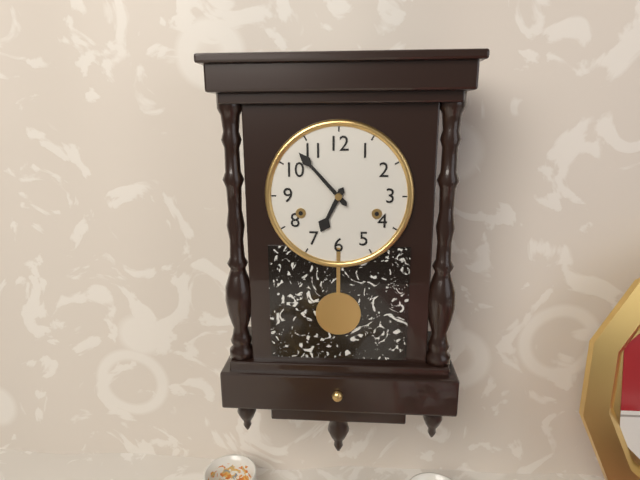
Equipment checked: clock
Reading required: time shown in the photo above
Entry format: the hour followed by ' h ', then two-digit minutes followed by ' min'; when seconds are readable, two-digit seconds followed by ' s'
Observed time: 6 h 53 min
